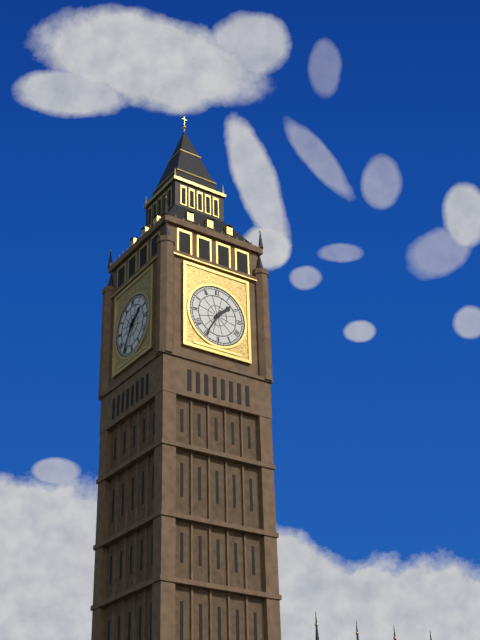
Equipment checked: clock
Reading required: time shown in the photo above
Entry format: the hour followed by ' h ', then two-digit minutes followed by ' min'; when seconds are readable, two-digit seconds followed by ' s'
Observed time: 1 h 35 min
